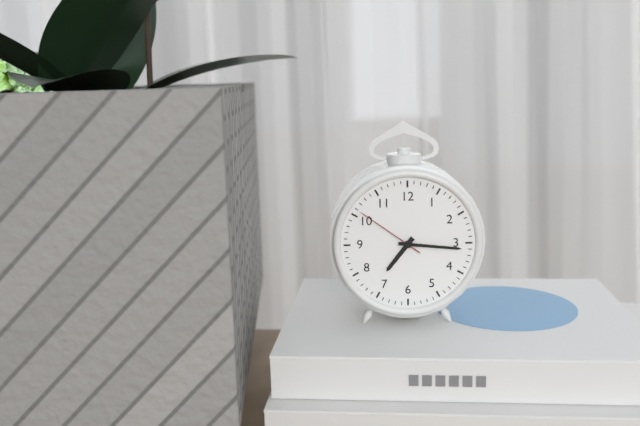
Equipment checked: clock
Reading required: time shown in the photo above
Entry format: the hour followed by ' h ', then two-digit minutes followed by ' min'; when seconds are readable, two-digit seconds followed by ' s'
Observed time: 7 h 16 min 51 s
